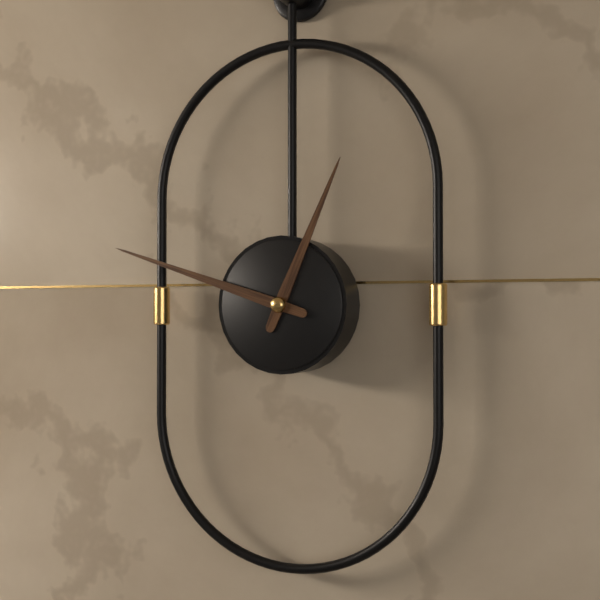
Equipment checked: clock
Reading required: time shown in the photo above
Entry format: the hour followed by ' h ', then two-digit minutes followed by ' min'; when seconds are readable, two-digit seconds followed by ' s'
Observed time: 12 h 48 min
